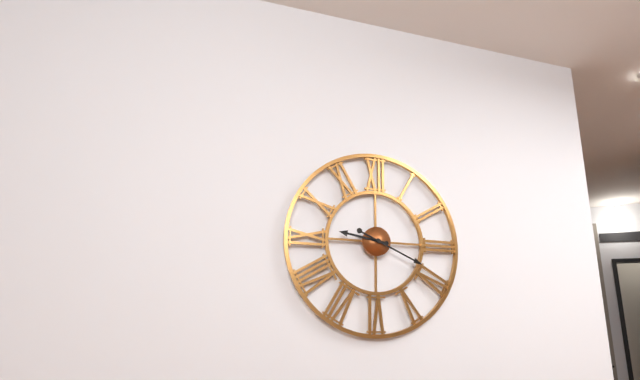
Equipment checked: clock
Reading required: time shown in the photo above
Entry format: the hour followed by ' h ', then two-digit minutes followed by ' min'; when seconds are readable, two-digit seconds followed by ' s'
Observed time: 9 h 19 min
